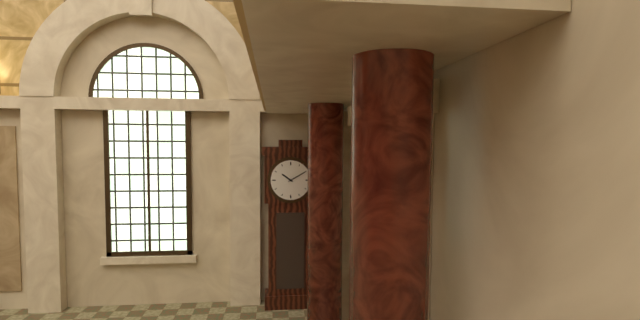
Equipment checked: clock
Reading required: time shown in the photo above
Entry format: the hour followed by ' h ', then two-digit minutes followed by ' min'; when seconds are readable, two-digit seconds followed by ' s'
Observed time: 10 h 10 min
